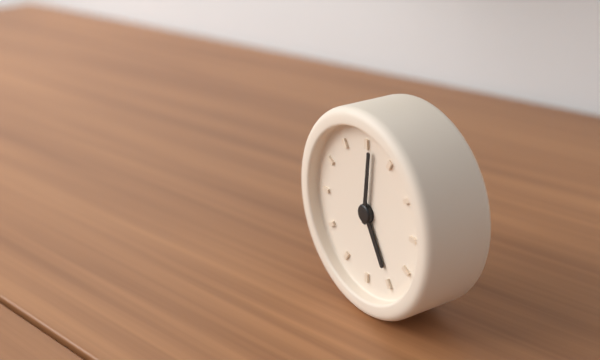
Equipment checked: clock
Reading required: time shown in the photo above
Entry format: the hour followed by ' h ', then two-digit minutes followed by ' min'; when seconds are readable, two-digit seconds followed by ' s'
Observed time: 5 h 01 min
